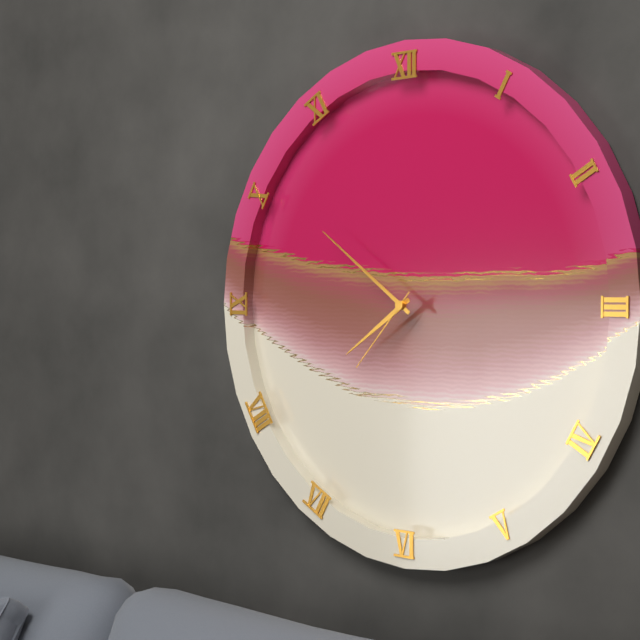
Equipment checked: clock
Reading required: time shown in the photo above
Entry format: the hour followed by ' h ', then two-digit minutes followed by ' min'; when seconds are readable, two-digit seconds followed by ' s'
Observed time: 7 h 51 min 37 s
